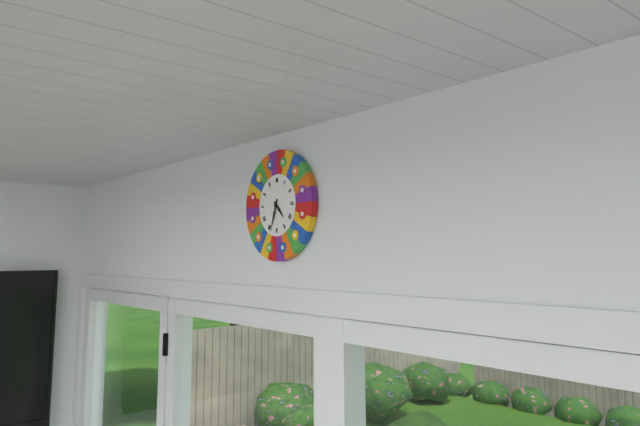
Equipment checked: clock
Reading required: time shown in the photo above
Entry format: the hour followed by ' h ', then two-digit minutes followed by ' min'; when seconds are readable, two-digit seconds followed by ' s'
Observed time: 4 h 33 min
